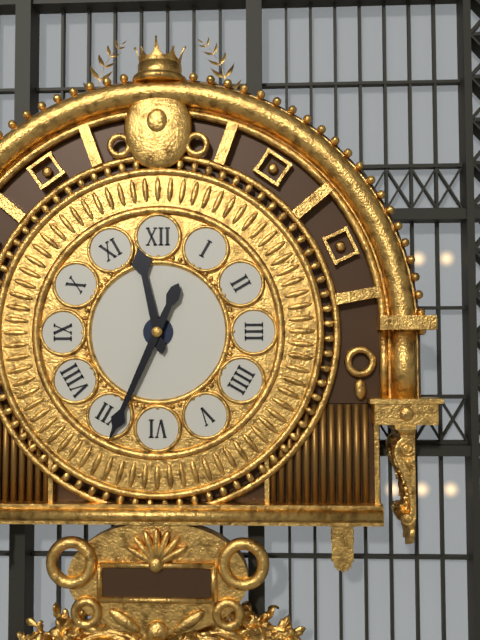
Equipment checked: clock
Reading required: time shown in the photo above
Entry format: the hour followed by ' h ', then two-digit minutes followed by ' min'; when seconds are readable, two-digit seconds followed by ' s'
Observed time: 11 h 34 min
